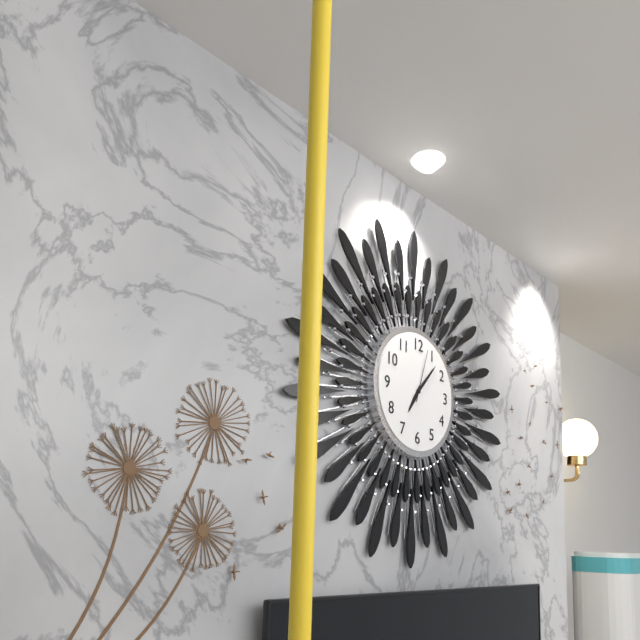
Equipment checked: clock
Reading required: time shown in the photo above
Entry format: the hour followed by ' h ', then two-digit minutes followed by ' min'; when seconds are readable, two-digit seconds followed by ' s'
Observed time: 7 h 07 min 03 s
